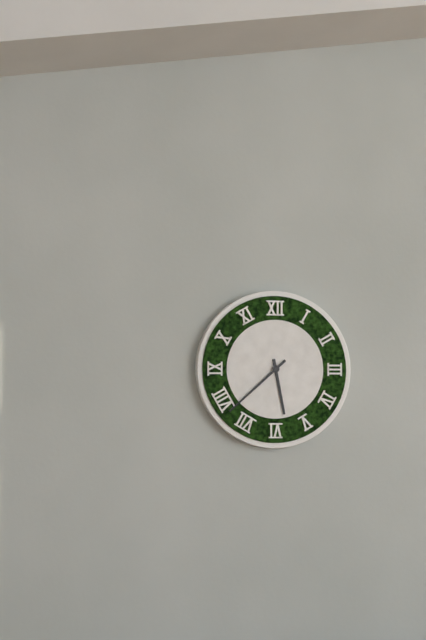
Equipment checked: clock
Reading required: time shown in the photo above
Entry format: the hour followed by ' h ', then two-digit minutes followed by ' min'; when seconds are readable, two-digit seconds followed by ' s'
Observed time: 5 h 38 min
